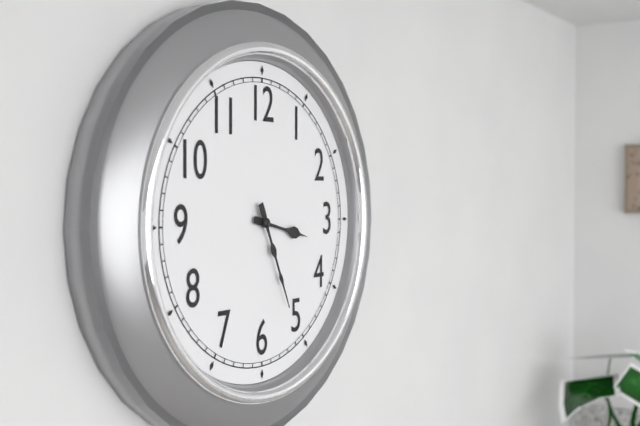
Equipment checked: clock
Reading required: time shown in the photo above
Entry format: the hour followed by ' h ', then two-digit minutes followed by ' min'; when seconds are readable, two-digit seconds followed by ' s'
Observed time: 3 h 26 min
